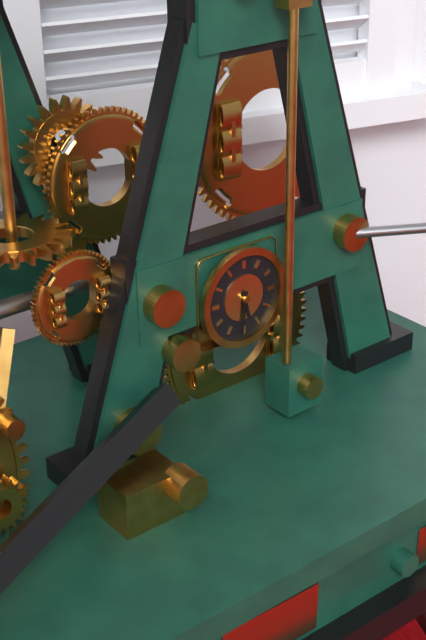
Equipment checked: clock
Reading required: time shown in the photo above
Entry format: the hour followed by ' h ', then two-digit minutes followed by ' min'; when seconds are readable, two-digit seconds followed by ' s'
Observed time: 5 h 31 min
